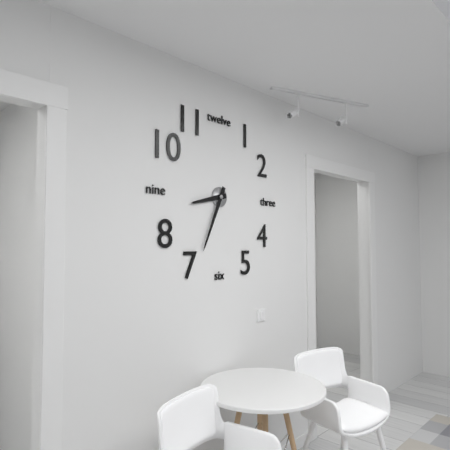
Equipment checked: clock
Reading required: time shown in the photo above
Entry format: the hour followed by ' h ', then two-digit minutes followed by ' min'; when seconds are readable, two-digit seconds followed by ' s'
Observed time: 8 h 34 min
